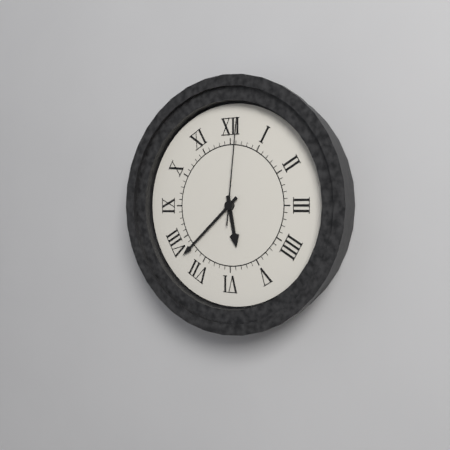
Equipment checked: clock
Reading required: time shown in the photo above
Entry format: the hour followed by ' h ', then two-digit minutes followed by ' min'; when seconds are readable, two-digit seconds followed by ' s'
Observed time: 5 h 38 min 01 s
